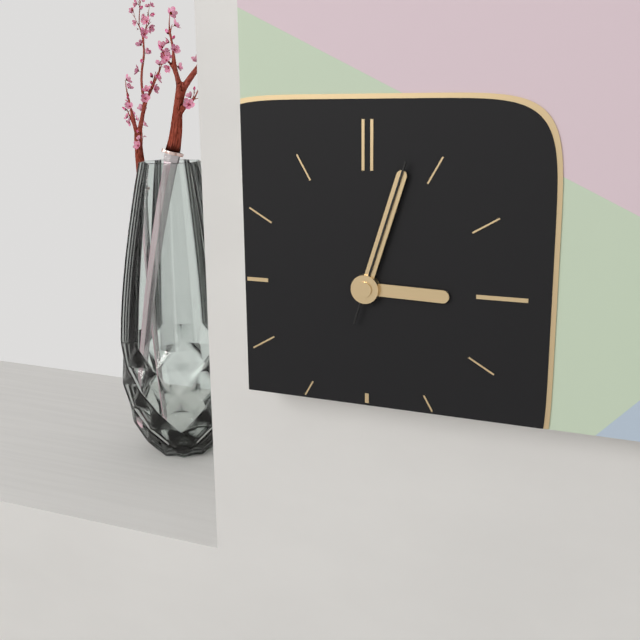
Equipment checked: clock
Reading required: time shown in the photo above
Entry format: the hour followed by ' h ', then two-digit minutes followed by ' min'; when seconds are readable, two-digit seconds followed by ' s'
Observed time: 3 h 03 min 03 s
